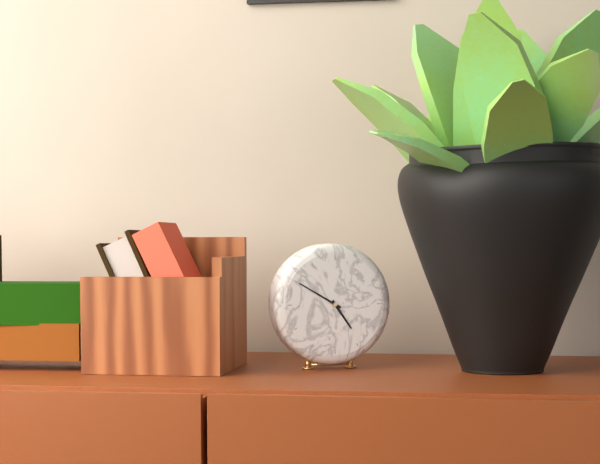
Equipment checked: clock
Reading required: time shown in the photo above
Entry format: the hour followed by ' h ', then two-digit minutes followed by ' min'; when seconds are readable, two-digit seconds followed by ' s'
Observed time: 4 h 50 min
